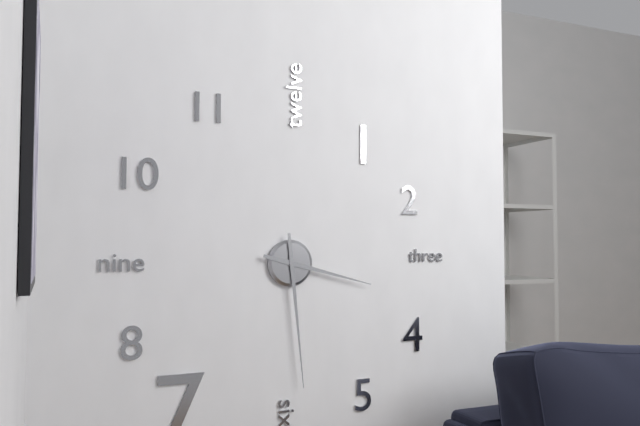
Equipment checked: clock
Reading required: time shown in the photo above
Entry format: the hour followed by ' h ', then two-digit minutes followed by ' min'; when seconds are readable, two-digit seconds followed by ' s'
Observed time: 3 h 29 min
